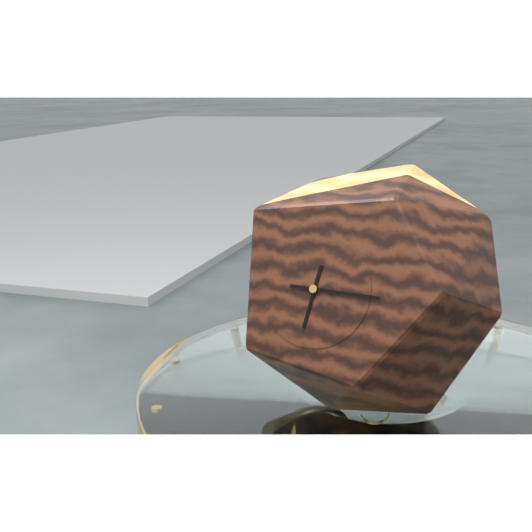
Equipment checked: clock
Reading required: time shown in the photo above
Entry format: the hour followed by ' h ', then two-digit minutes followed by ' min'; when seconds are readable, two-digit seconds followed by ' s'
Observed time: 6 h 15 min
